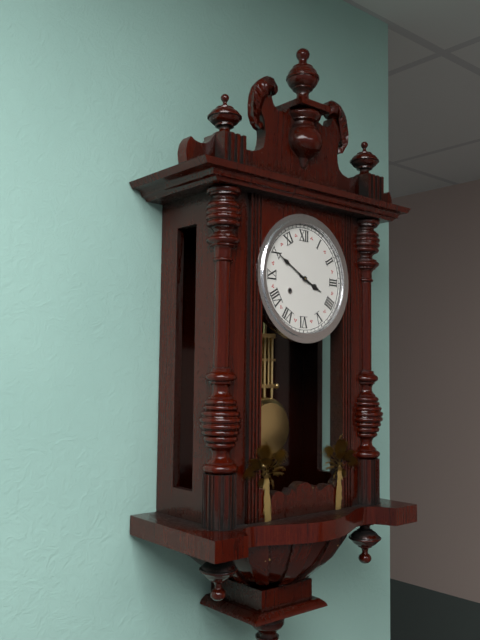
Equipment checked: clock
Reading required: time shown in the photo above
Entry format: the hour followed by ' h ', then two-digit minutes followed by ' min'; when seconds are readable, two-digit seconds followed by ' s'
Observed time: 3 h 50 min
